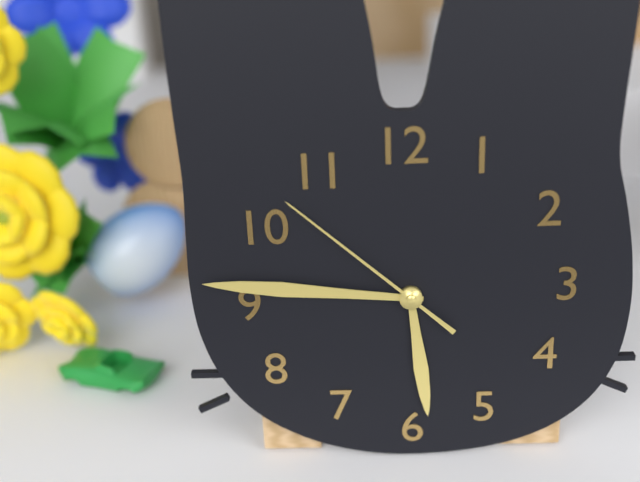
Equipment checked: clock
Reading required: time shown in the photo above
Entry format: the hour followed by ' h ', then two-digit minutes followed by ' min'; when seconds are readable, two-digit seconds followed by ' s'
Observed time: 5 h 46 min 52 s
